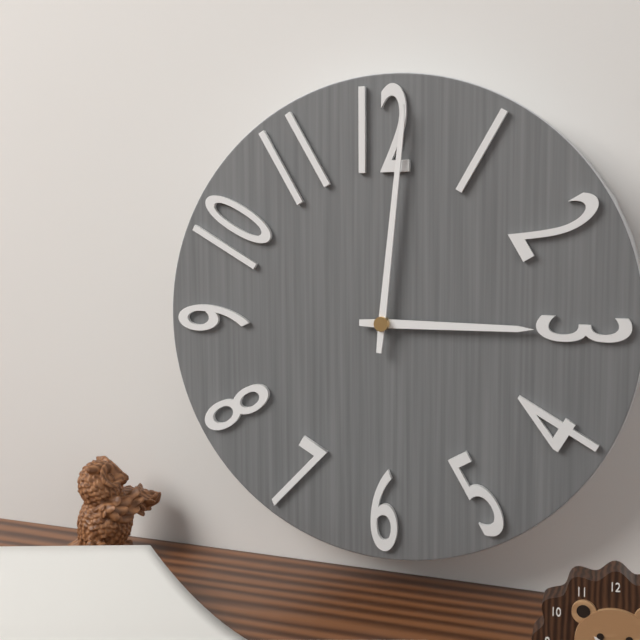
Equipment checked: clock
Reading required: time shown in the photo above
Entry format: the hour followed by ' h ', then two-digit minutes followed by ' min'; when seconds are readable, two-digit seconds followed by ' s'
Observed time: 3 h 01 min
